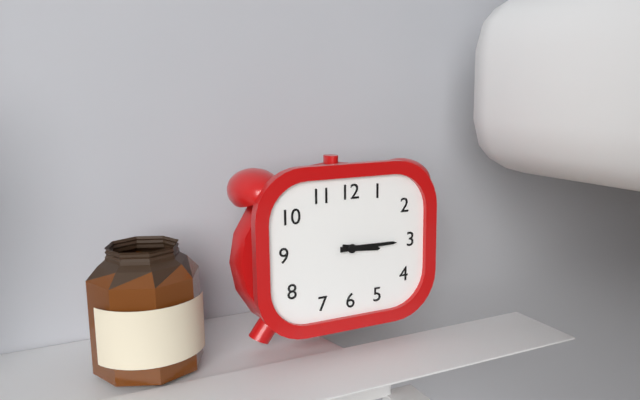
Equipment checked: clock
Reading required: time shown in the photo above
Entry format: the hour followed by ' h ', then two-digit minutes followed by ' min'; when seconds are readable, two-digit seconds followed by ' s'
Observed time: 3 h 15 min
